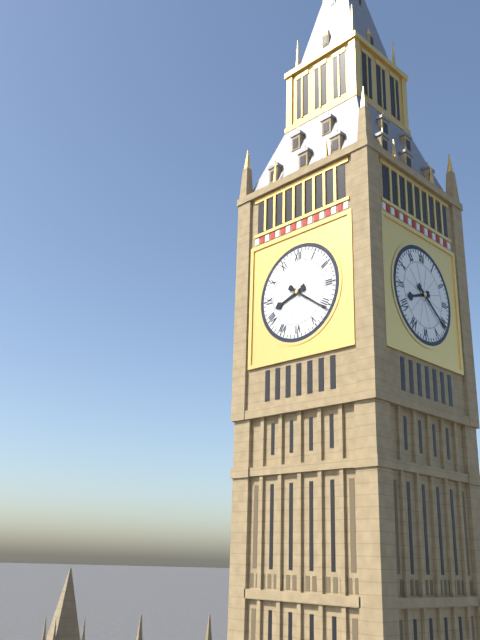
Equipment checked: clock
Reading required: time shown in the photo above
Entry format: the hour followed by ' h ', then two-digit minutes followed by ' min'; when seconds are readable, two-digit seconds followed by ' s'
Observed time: 8 h 21 min
